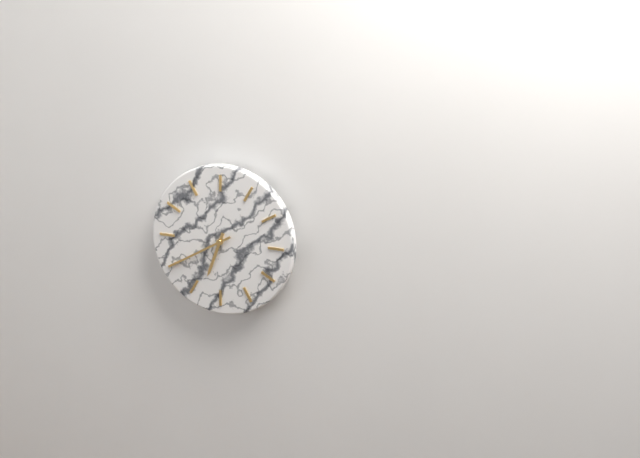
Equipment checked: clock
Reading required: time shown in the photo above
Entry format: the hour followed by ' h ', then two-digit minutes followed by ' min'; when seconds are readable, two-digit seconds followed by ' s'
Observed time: 6 h 40 min
